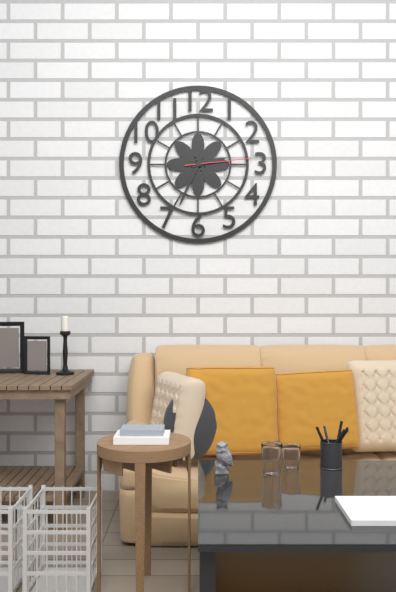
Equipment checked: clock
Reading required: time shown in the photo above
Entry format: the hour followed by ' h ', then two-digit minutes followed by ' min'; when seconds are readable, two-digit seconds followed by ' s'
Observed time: 2 h 34 min 14 s
